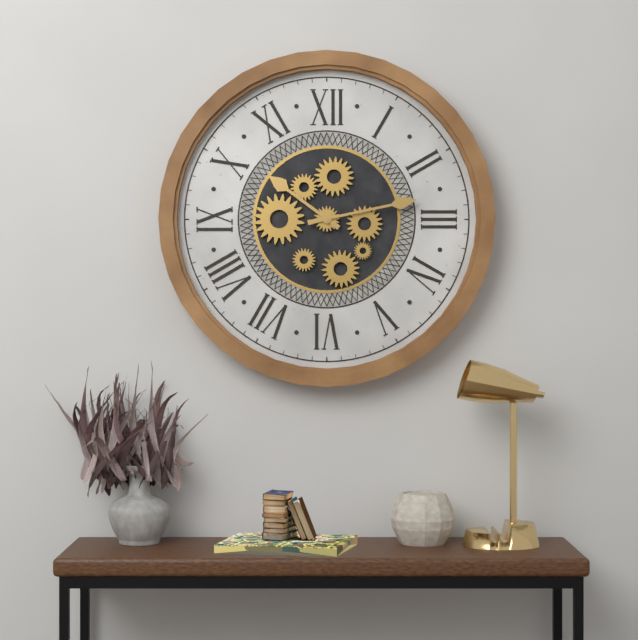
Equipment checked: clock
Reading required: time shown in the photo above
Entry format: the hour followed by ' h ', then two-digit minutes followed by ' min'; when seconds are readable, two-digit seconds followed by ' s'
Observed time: 10 h 13 min
